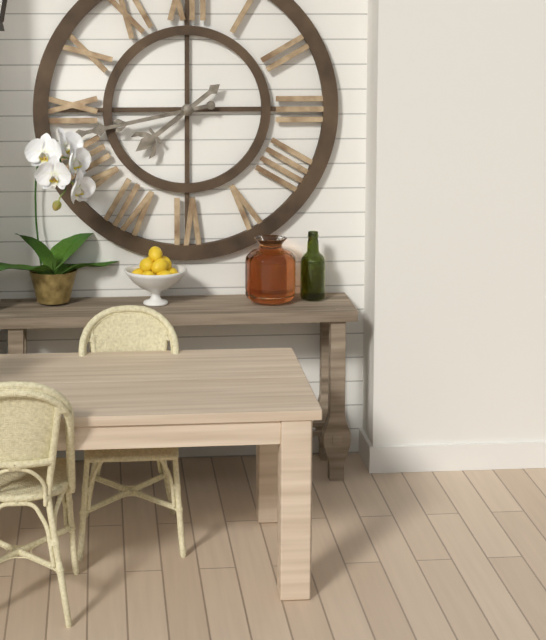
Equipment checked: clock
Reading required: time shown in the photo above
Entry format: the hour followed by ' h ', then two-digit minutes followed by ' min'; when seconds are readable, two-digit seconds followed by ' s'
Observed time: 7 h 43 min
